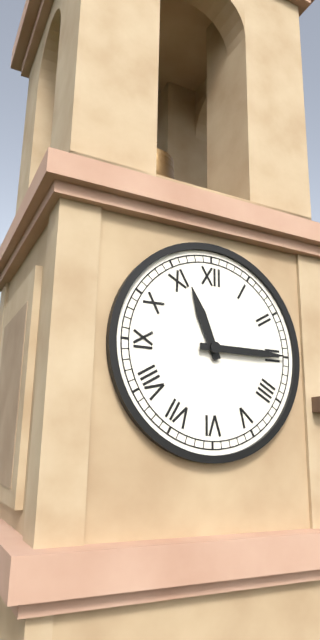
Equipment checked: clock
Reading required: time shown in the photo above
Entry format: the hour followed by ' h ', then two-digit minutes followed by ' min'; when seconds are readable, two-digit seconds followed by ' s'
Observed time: 11 h 15 min
